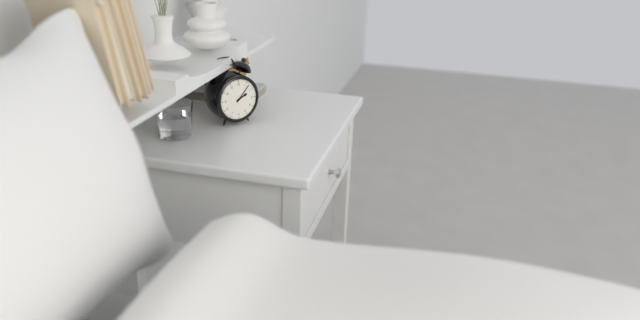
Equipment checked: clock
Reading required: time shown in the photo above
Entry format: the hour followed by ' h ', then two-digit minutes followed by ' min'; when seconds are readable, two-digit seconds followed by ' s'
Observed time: 2 h 07 min
